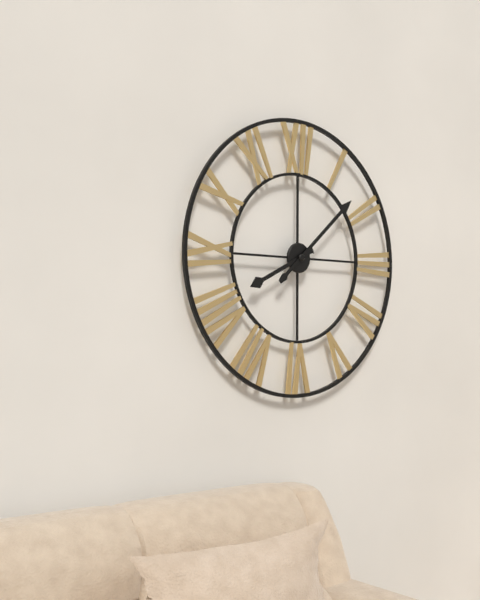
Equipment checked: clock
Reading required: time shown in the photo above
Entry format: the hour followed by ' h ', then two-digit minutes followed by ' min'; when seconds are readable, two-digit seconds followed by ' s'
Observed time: 8 h 08 min
